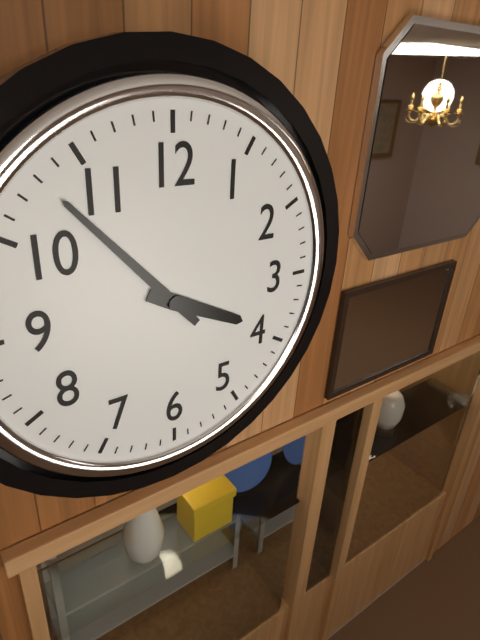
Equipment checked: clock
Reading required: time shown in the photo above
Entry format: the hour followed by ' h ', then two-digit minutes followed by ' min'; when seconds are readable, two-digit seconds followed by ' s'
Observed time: 3 h 53 min
